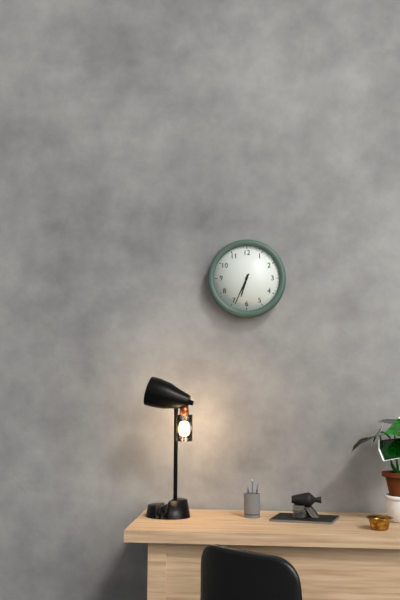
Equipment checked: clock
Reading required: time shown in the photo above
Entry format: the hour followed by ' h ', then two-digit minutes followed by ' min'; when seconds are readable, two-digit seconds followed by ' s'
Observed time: 6 h 34 min
